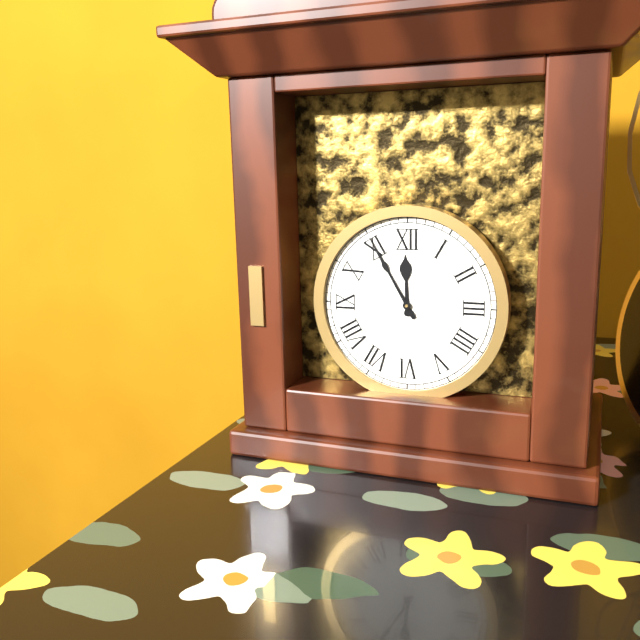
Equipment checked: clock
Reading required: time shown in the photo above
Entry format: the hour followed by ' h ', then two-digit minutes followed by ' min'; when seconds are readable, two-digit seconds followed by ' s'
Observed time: 11 h 55 min
